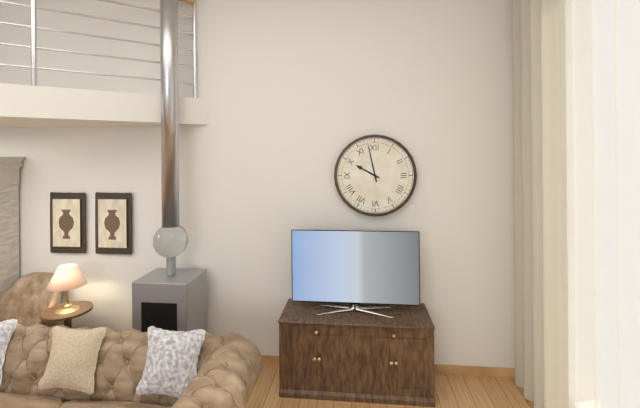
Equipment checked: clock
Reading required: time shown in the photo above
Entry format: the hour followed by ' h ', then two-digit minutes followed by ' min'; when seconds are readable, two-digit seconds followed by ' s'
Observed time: 9 h 58 min
